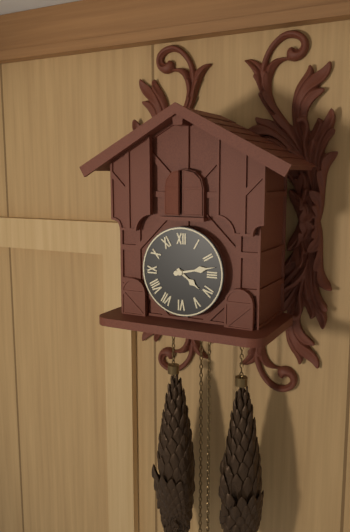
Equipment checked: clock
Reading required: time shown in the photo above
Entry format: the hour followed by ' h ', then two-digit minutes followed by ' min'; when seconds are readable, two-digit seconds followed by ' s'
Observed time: 4 h 13 min
